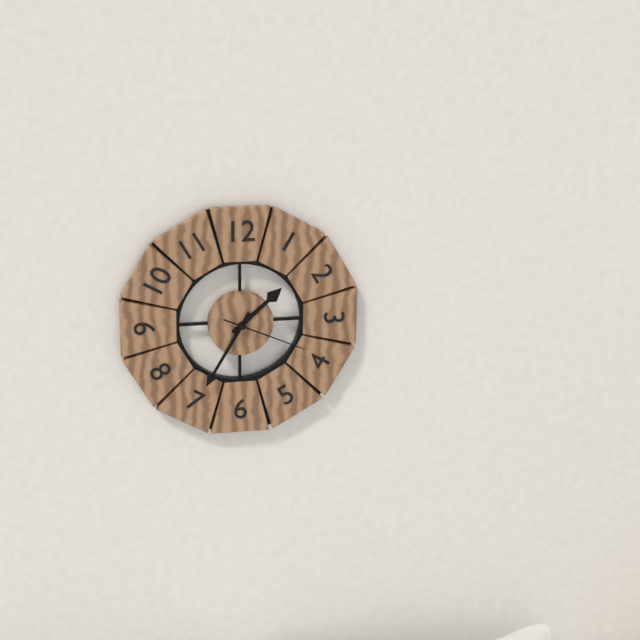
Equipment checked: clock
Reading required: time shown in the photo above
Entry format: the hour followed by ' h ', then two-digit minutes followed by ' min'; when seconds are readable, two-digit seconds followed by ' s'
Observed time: 1 h 35 min 19 s
